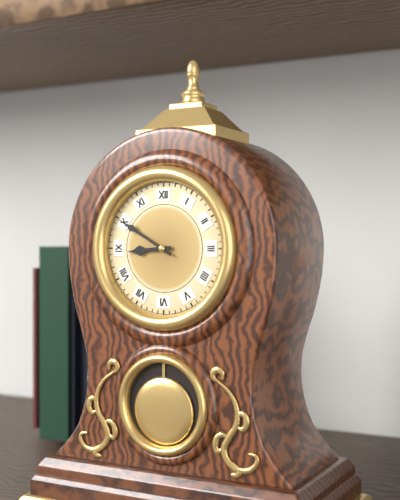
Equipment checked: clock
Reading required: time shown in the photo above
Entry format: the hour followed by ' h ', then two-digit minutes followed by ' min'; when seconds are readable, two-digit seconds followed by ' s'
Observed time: 8 h 50 min
